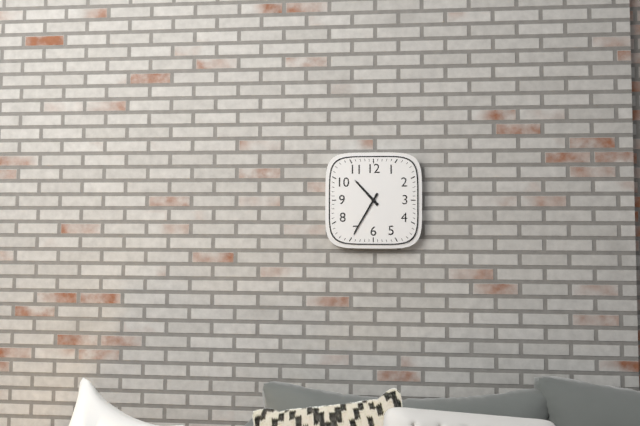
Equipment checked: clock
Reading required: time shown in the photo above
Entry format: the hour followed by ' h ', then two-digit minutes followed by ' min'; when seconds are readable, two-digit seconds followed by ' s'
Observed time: 10 h 35 min
